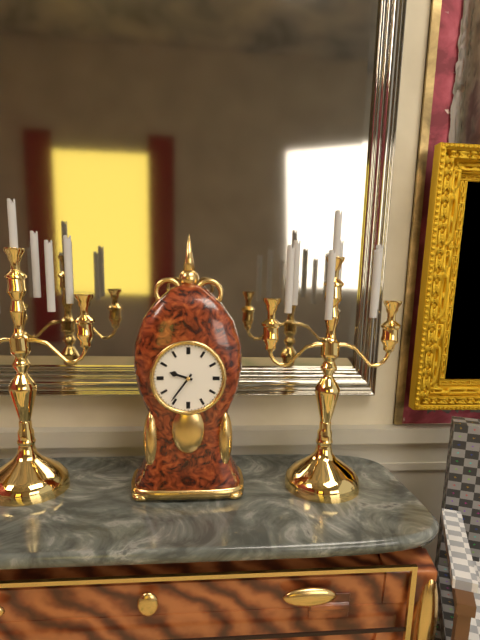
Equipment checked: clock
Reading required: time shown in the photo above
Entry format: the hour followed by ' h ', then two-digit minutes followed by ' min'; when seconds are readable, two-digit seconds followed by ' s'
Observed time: 9 h 36 min
